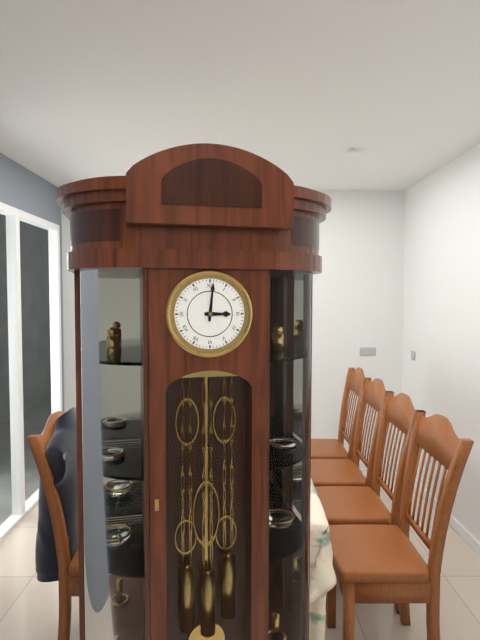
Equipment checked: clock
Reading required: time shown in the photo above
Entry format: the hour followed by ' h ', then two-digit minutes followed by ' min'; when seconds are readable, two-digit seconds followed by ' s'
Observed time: 3 h 01 min
